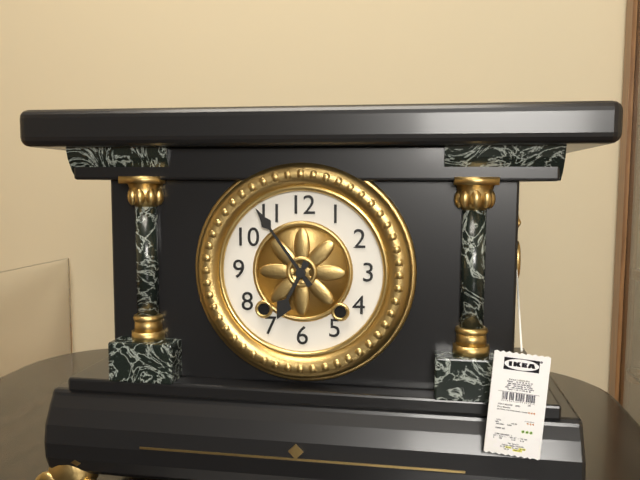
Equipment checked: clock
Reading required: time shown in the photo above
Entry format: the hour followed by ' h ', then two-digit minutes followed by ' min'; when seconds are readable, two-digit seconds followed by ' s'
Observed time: 6 h 54 min
